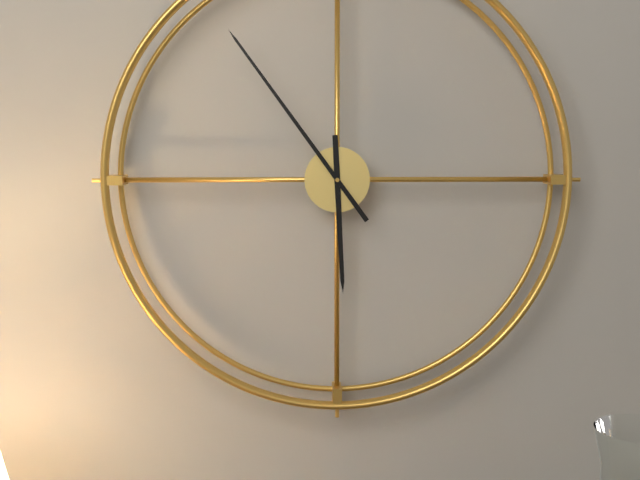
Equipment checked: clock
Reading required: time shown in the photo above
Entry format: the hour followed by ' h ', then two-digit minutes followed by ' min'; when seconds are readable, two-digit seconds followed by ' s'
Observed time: 5 h 54 min
